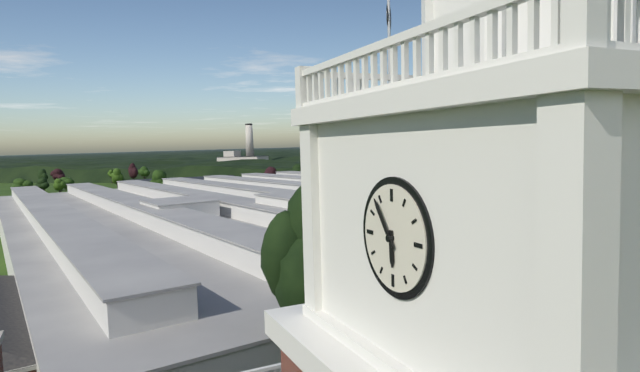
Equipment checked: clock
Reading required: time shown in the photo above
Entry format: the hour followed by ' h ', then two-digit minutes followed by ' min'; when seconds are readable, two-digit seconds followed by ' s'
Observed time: 5 h 54 min
